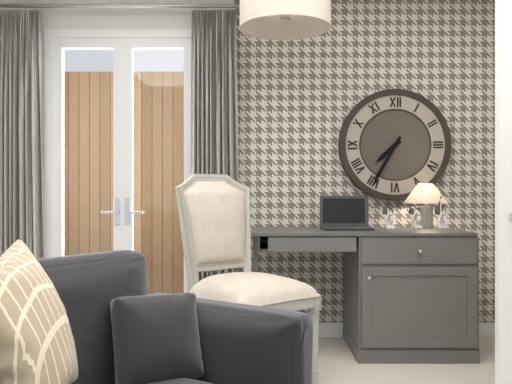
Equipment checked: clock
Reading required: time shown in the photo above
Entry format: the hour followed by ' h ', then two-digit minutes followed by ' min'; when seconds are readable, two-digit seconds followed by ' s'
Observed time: 7 h 35 min
